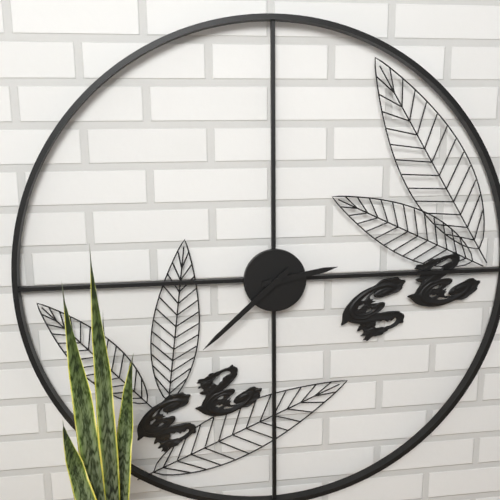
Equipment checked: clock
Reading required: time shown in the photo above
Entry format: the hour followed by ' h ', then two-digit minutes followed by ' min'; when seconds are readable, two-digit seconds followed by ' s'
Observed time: 2 h 38 min
